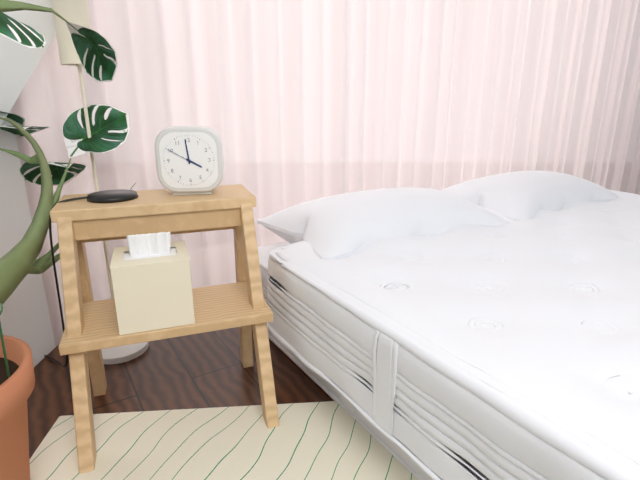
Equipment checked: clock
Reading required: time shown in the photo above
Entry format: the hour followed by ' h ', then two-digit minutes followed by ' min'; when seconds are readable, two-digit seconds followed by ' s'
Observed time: 3 h 59 min
